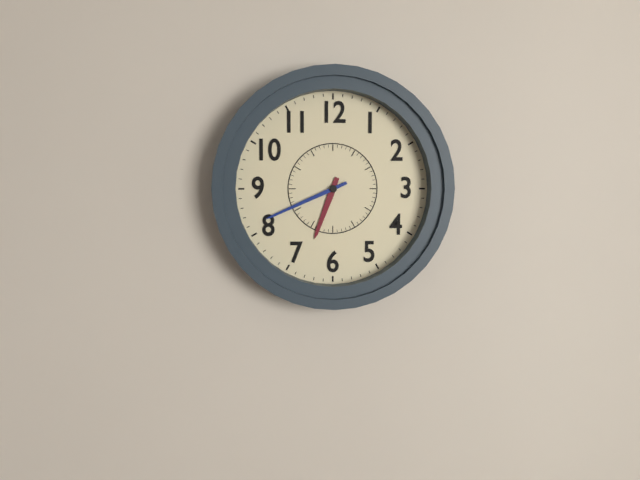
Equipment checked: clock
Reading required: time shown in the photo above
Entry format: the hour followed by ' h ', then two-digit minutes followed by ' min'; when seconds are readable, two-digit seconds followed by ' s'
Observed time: 6 h 41 min
